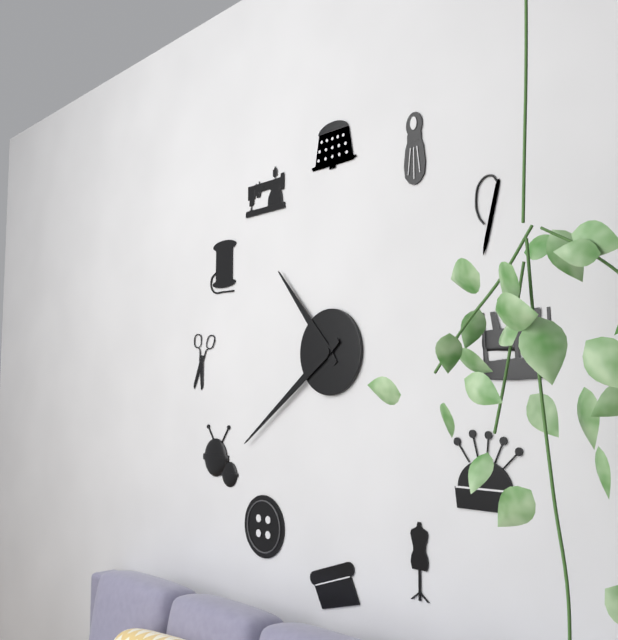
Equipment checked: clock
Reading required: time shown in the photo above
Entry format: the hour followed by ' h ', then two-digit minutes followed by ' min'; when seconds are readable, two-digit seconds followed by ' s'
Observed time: 10 h 39 min
